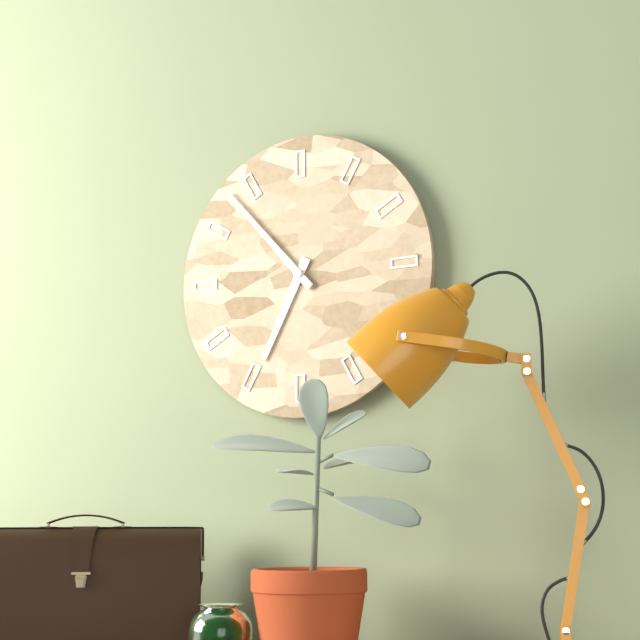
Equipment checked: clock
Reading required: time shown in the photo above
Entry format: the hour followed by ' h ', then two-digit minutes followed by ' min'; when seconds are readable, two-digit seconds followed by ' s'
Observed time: 6 h 53 min
